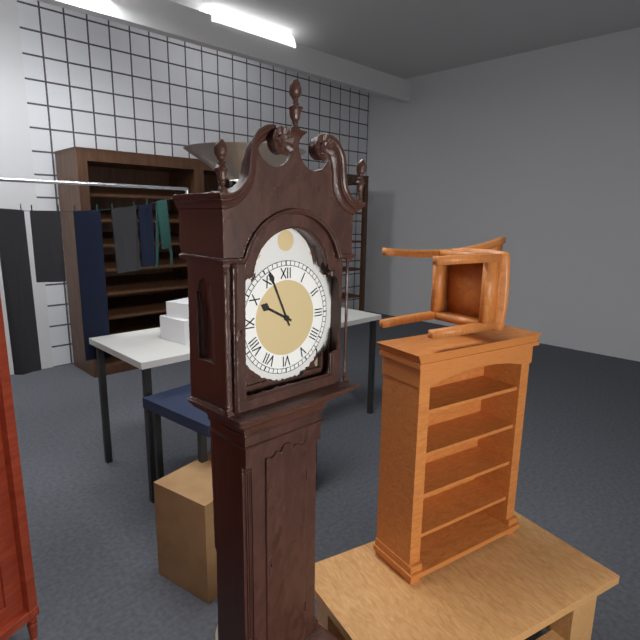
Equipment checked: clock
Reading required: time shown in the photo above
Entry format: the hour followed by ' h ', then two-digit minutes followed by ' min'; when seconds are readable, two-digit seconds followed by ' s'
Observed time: 9 h 56 min
